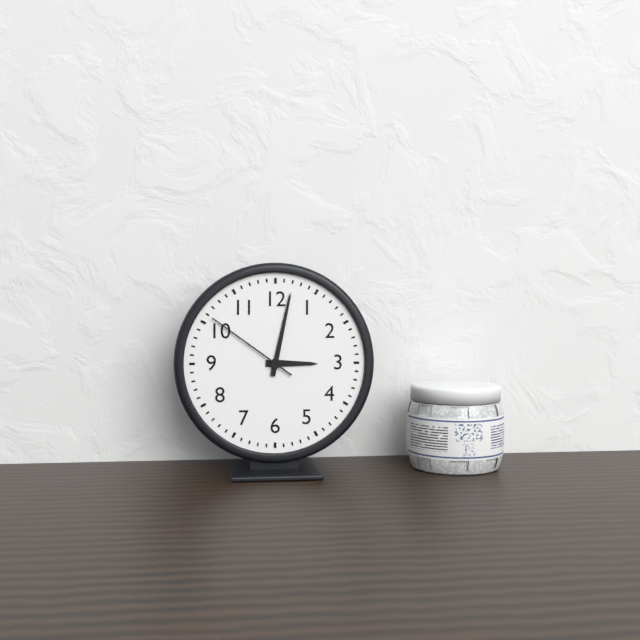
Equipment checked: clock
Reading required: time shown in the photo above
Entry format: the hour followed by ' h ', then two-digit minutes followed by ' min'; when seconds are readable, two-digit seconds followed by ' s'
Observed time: 3 h 02 min 51 s
